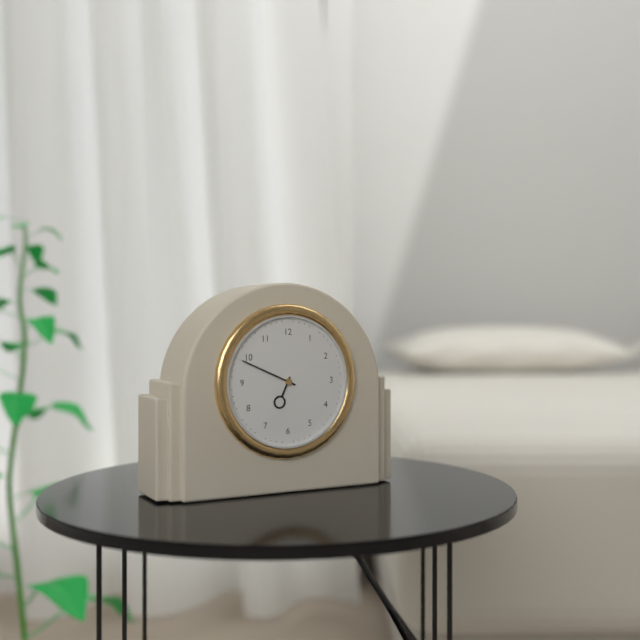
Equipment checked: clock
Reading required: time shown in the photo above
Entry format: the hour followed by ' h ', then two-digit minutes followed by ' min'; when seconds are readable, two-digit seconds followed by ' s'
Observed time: 6 h 49 min
